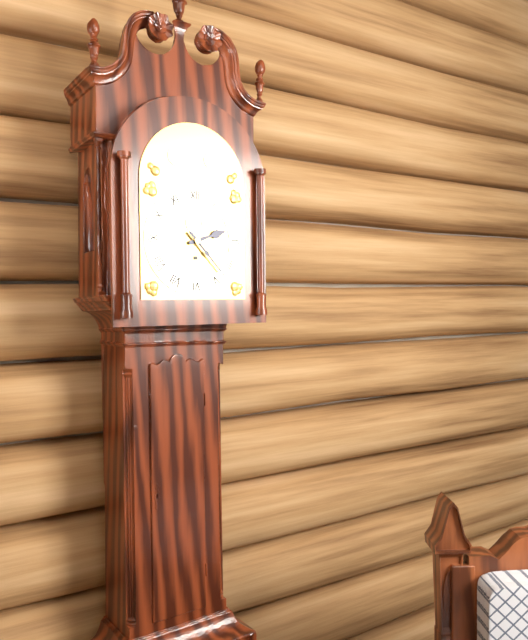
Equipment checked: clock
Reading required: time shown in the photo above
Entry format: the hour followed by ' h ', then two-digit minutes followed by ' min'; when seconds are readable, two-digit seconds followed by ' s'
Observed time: 2 h 23 min
